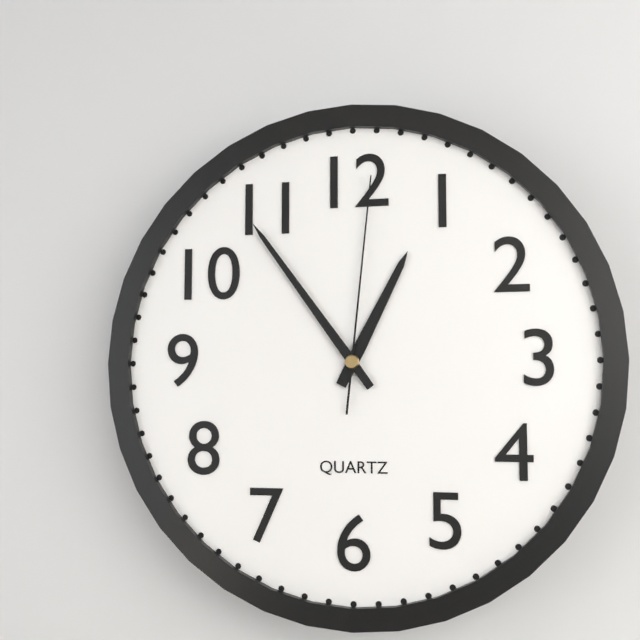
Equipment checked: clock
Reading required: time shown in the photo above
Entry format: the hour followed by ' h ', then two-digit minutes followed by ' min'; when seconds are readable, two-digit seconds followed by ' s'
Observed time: 12 h 54 min 01 s
